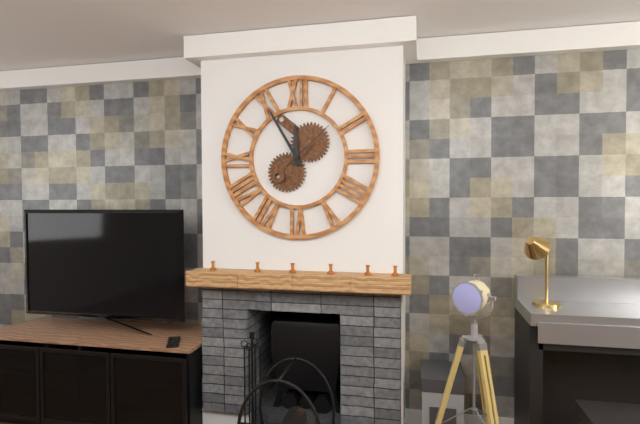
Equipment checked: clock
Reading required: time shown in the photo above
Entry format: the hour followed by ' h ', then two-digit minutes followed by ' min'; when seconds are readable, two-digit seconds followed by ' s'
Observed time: 11 h 55 min 08 s
